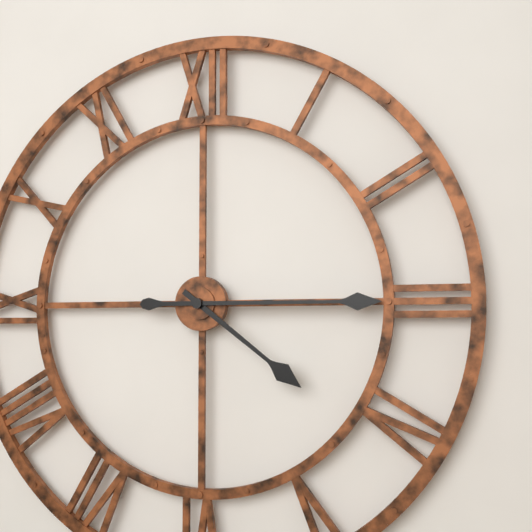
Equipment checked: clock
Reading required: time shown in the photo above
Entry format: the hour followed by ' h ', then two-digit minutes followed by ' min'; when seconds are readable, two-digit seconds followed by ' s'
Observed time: 4 h 15 min
